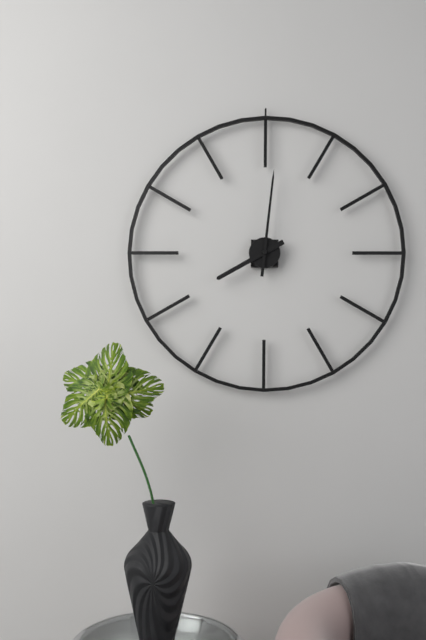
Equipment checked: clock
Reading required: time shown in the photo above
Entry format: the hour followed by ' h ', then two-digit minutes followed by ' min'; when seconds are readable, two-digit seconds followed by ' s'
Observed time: 8 h 01 min
